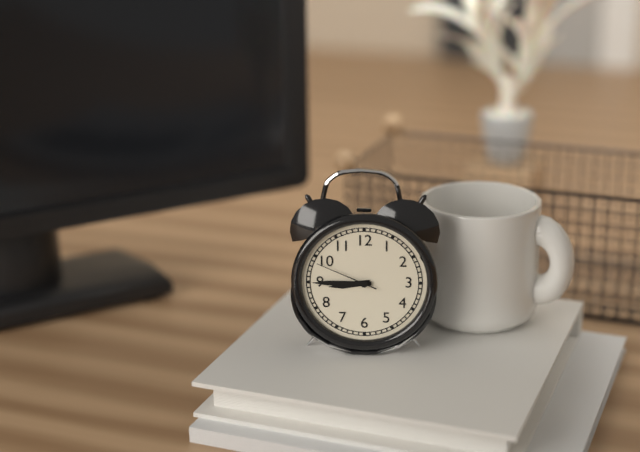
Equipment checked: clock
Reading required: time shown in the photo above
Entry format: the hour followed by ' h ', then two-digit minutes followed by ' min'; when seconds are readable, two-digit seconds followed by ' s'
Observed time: 8 h 45 min 49 s
